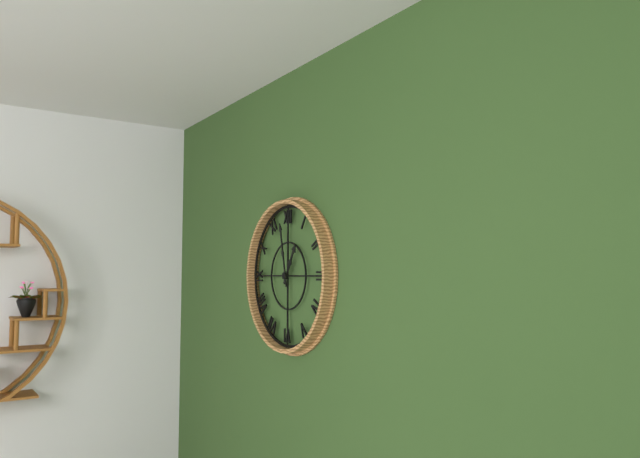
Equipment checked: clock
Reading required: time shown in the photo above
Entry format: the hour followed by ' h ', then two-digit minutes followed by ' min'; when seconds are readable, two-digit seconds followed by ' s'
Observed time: 12 h 58 min
